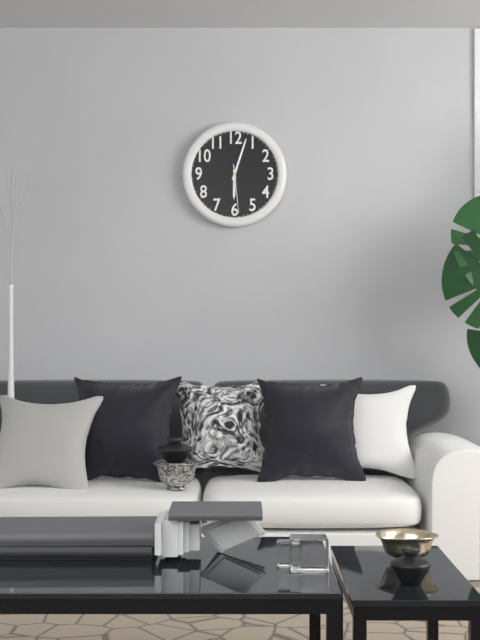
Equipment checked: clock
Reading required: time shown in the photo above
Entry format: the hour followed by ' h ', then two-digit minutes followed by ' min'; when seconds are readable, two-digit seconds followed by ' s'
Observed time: 6 h 03 min
